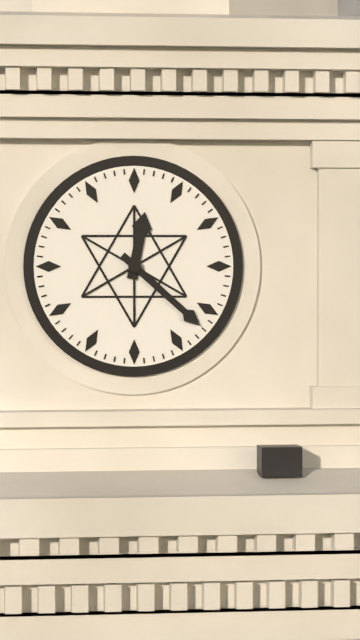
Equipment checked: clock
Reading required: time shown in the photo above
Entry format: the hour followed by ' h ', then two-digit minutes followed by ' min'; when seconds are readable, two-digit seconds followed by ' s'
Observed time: 12 h 22 min
